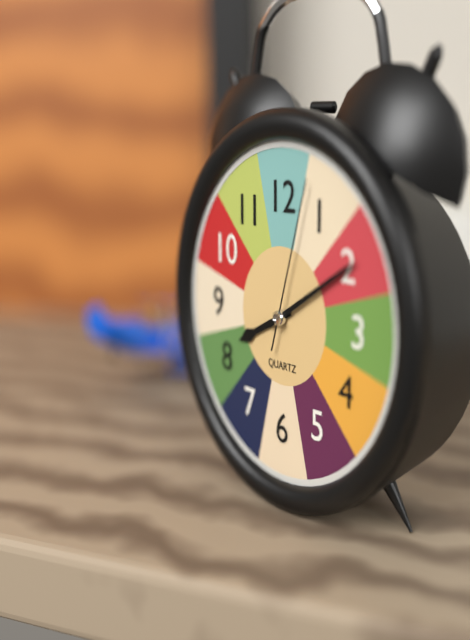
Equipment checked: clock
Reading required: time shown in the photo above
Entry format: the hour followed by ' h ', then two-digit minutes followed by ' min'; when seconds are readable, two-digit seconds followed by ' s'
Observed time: 8 h 10 min 03 s
